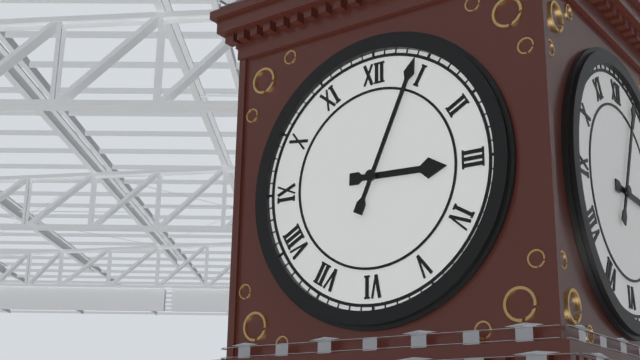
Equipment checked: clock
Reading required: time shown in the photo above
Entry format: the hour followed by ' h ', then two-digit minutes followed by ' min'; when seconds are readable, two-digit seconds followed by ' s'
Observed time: 3 h 04 min
